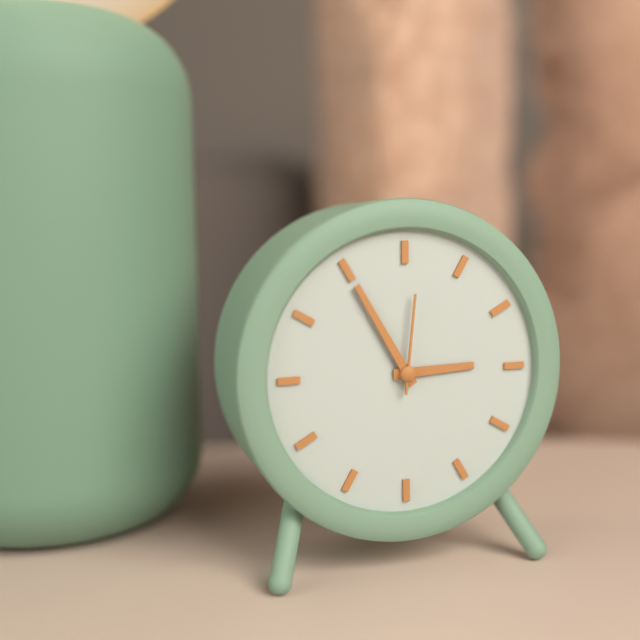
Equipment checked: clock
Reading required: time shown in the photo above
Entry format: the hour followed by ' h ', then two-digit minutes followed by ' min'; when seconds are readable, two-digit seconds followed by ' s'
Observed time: 2 h 55 min 01 s
